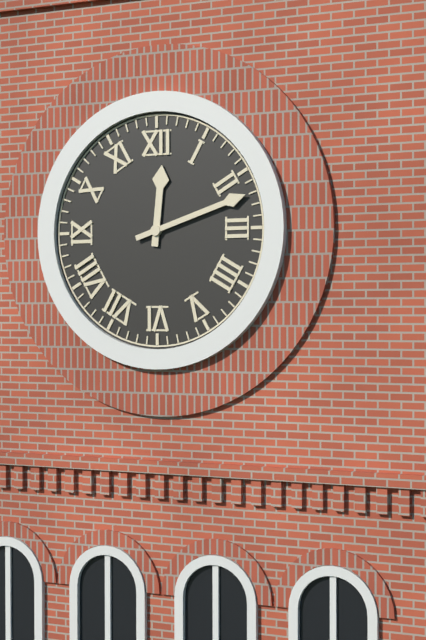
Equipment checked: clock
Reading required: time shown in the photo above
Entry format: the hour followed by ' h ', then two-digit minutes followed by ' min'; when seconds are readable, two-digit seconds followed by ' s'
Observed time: 12 h 12 min
